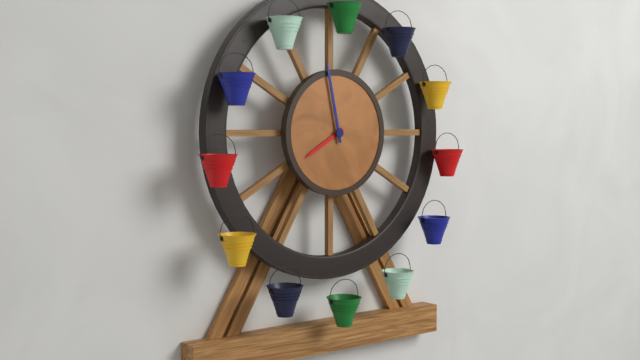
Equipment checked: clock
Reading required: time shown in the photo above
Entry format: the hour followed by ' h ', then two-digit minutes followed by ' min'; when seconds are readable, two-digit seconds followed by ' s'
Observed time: 7 h 58 min
